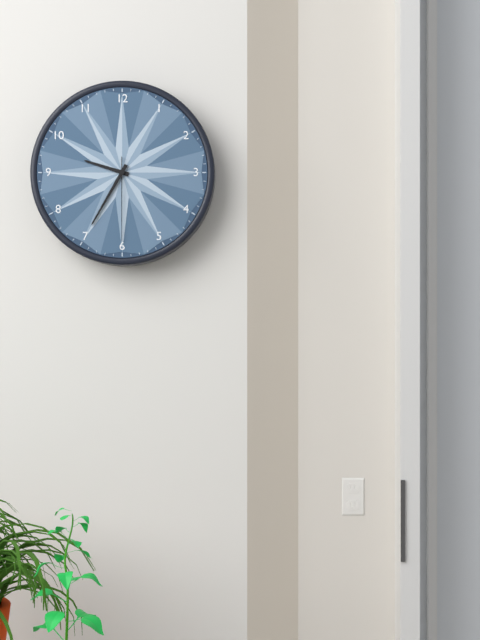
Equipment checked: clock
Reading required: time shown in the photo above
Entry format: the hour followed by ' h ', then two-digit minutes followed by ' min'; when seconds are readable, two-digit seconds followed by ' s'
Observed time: 9 h 35 min 30 s
